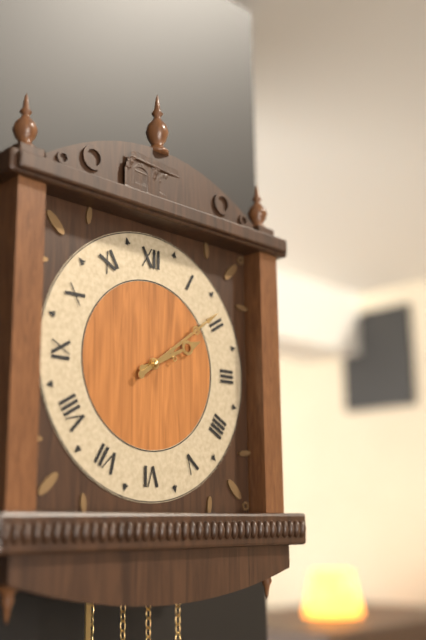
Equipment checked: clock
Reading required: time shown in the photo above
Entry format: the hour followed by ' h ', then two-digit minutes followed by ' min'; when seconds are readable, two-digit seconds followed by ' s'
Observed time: 2 h 09 min
